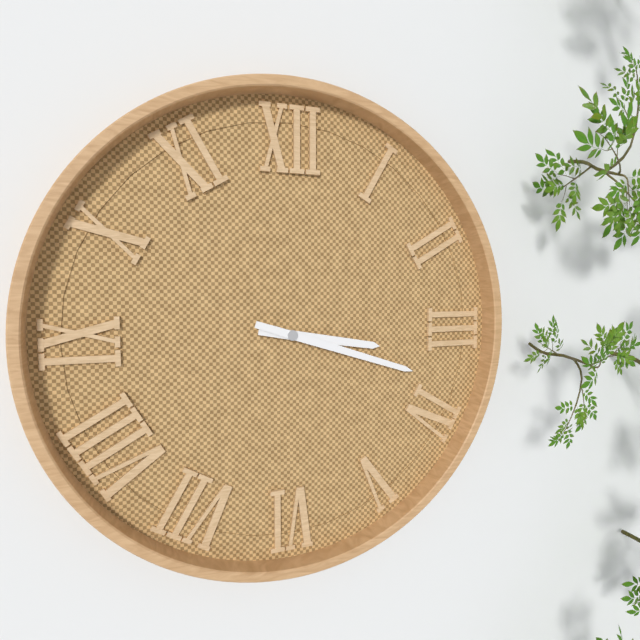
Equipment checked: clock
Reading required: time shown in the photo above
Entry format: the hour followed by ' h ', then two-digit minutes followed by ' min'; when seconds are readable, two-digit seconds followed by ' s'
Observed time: 3 h 18 min
